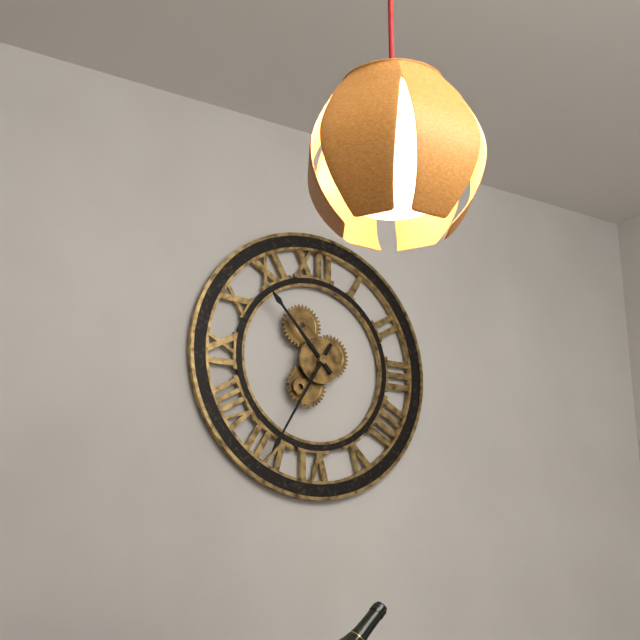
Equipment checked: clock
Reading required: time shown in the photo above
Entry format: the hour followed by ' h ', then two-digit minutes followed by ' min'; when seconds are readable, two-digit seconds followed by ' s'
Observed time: 10 h 35 min
